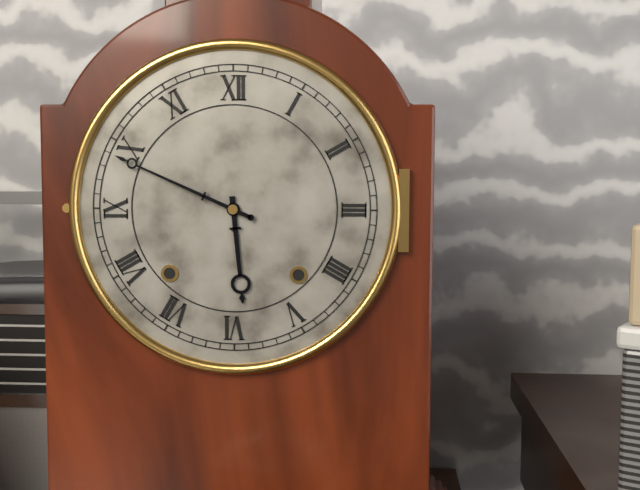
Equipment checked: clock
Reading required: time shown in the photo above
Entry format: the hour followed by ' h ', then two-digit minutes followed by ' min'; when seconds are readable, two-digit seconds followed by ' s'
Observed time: 5 h 49 min
